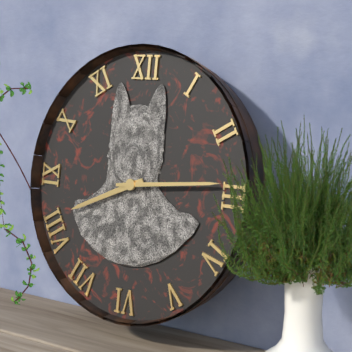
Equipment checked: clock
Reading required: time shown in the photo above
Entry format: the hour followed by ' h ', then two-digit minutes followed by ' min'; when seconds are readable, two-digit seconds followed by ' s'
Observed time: 8 h 14 min
